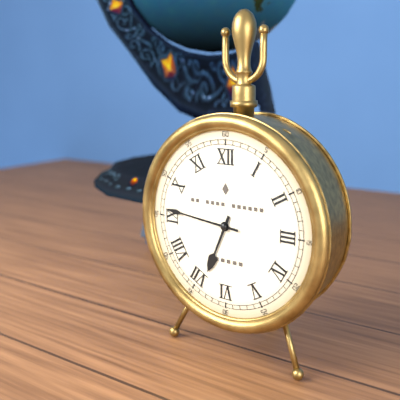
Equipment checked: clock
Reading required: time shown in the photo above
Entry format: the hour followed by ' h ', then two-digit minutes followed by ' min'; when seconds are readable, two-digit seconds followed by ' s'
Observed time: 6 h 46 min
